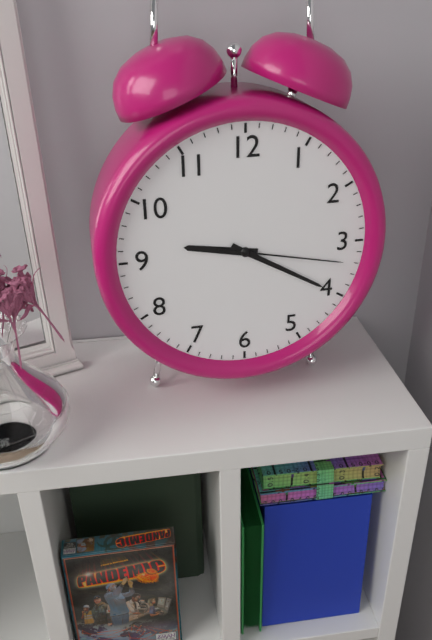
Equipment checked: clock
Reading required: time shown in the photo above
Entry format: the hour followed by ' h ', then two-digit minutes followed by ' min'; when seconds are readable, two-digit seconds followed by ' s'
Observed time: 9 h 20 min 17 s
